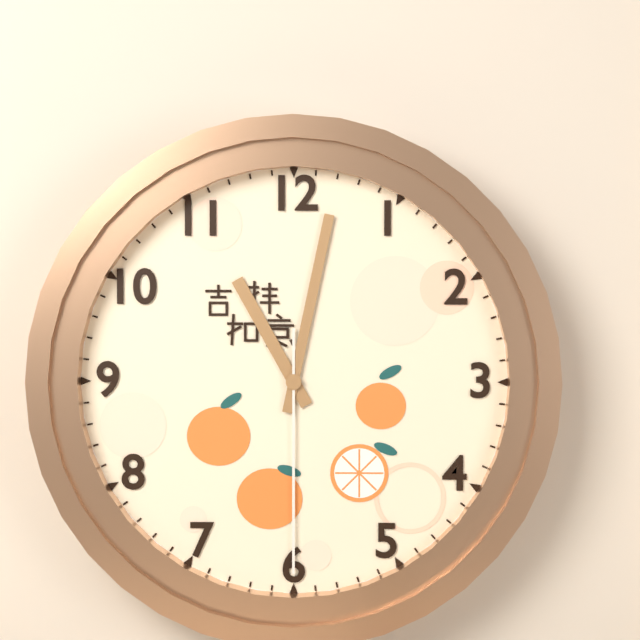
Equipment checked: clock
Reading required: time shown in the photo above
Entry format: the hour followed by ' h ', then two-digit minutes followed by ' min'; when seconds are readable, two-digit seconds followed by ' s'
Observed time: 11 h 02 min 30 s
